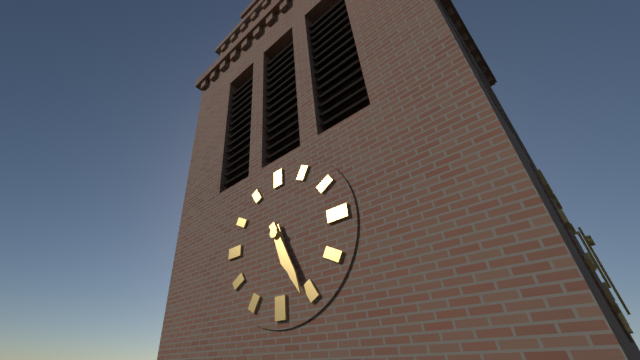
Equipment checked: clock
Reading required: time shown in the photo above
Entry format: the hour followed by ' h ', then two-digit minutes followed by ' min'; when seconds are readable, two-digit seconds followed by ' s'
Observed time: 5 h 26 min
